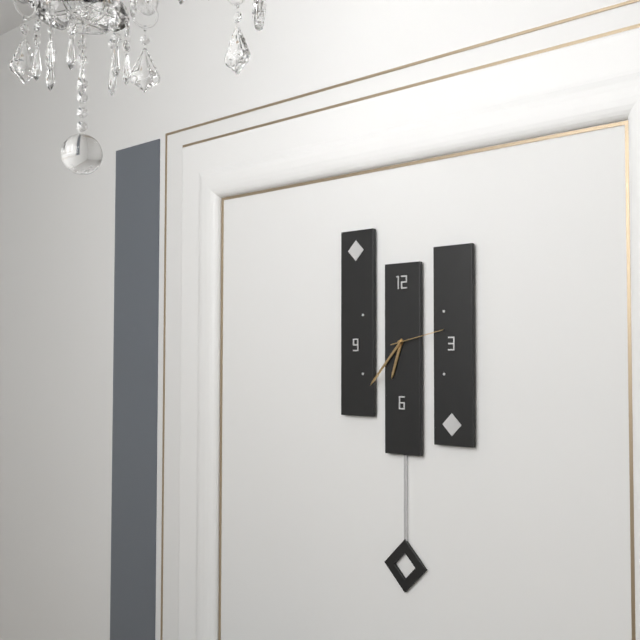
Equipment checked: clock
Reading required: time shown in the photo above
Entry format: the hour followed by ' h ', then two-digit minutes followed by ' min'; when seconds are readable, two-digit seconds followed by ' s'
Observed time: 6 h 37 min
